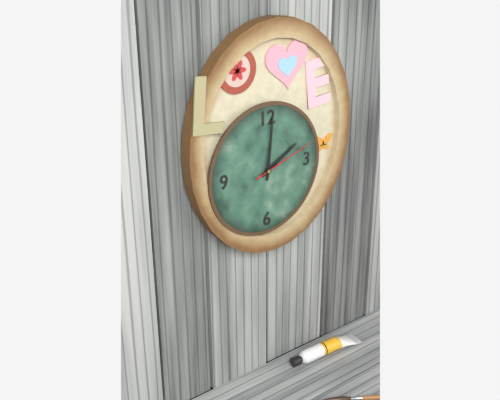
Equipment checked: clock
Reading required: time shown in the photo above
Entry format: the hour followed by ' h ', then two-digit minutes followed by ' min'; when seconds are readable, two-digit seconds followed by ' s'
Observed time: 2 h 01 min 12 s
